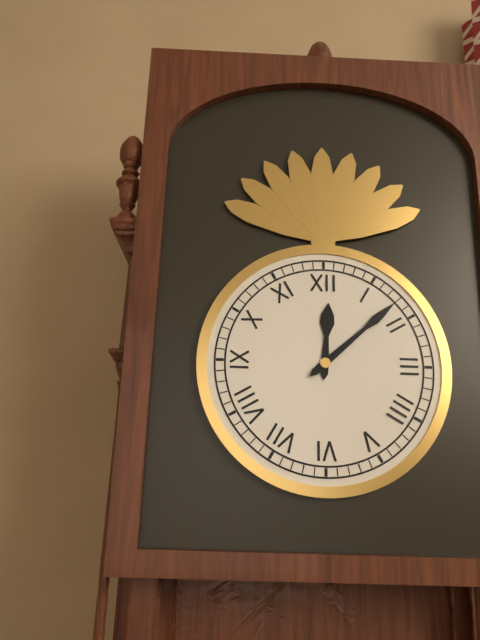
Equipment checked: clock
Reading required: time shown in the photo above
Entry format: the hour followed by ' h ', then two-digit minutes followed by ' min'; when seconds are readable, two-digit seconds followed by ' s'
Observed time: 12 h 08 min
